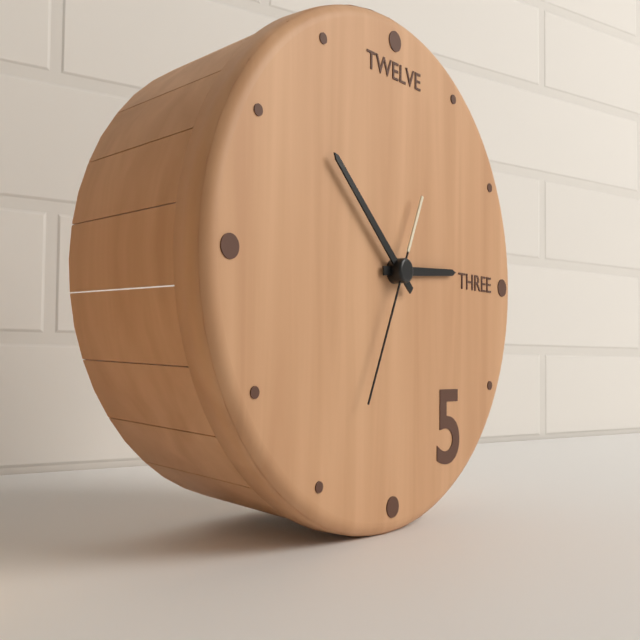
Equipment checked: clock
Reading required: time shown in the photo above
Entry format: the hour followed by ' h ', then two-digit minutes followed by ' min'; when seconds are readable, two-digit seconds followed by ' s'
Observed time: 2 h 52 min 34 s
